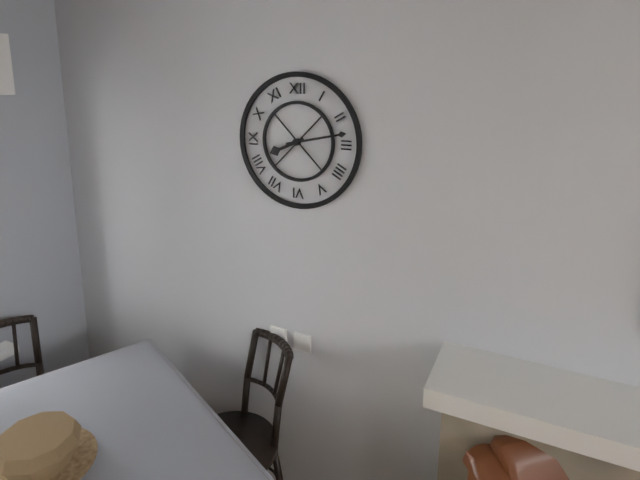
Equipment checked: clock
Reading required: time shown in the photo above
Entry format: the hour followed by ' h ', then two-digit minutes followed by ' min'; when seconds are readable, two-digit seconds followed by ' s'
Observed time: 8 h 13 min
